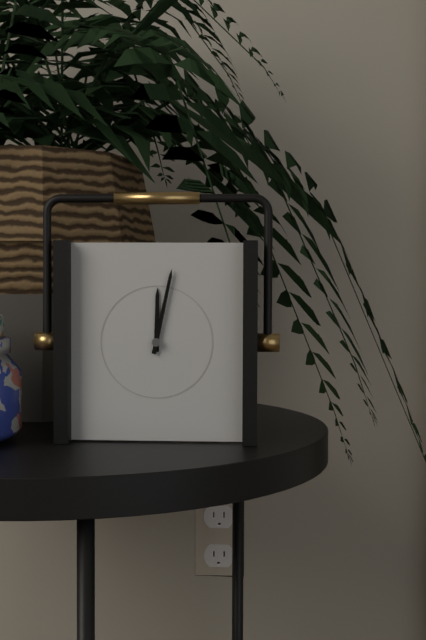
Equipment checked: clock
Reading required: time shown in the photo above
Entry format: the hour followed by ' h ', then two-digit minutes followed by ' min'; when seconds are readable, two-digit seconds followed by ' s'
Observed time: 12 h 02 min
